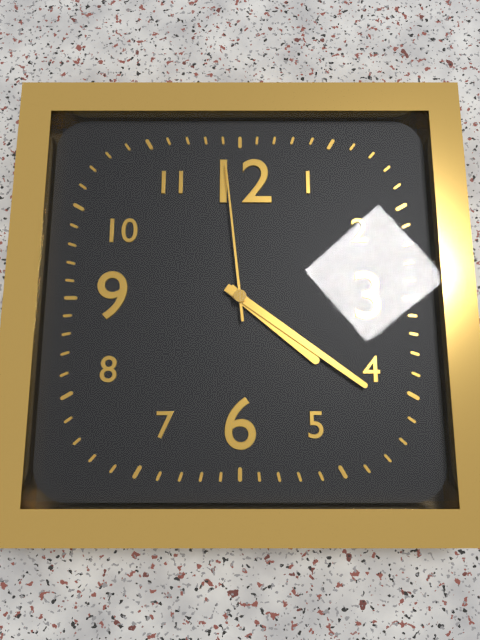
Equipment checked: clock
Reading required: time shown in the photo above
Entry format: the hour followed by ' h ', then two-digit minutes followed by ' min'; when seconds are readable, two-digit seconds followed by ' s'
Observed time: 4 h 21 min 59 s
